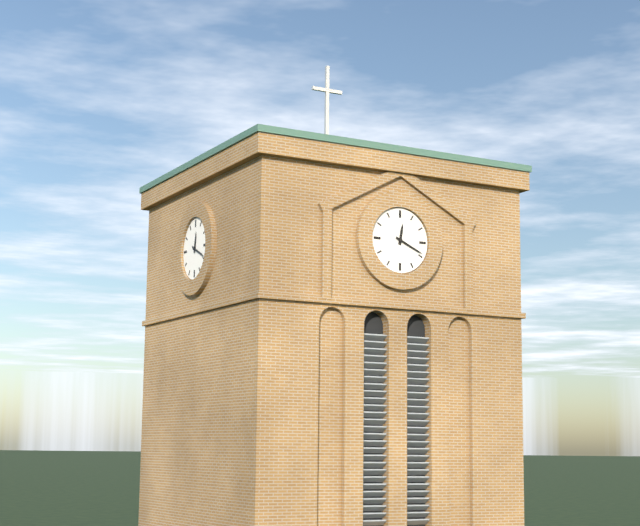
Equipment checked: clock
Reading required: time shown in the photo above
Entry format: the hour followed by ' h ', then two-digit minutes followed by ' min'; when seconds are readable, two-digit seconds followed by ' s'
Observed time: 12 h 19 min
